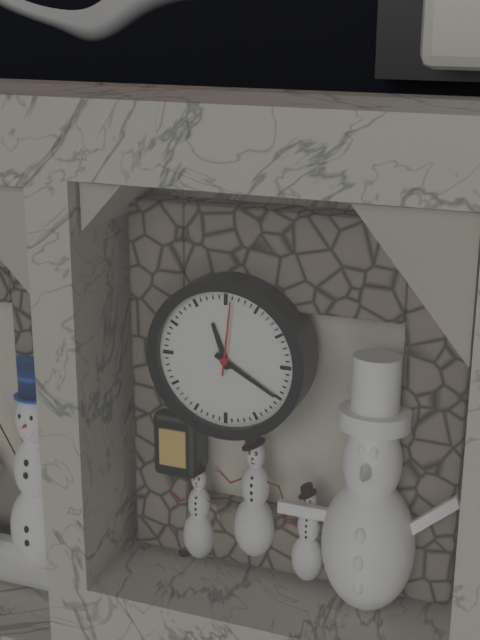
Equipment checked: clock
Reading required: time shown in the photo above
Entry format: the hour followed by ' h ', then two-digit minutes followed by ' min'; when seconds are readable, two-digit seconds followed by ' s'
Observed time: 11 h 20 min 01 s
